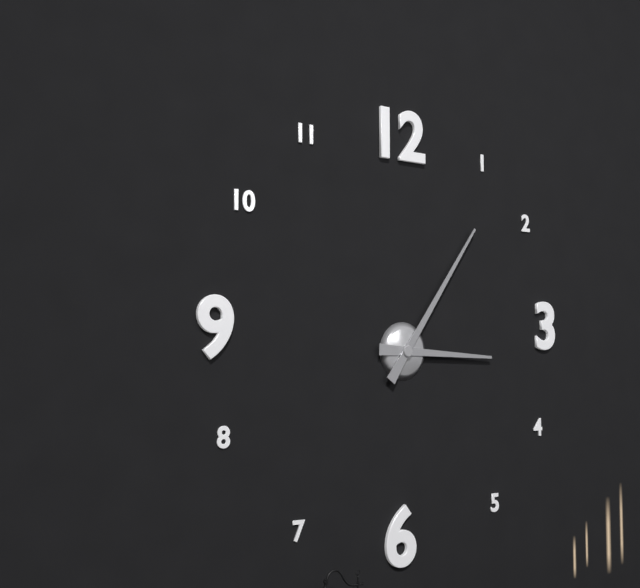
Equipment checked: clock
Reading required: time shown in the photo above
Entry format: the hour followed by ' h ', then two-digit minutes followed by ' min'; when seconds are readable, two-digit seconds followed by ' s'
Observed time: 3 h 06 min
